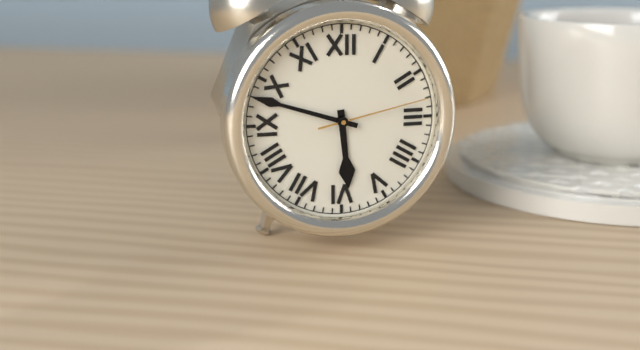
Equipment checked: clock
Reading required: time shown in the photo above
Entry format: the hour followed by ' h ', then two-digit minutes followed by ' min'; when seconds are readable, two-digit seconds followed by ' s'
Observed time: 5 h 48 min 13 s
